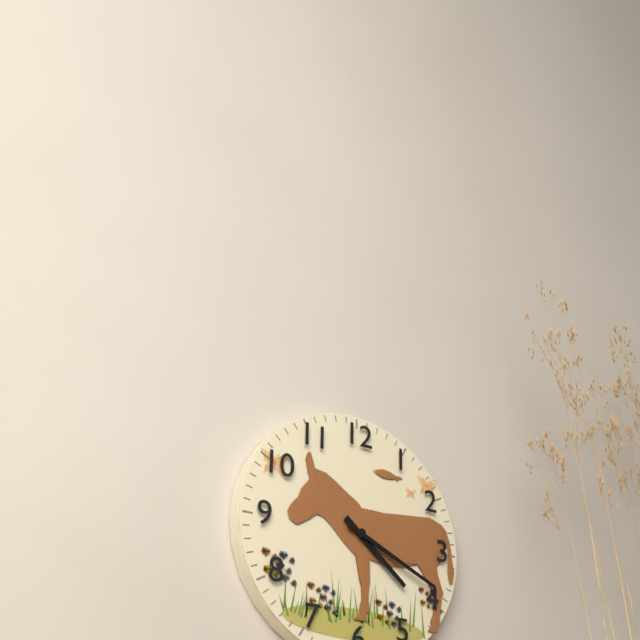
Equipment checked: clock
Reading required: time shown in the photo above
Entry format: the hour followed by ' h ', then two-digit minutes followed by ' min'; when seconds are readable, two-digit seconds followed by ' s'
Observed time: 4 h 19 min
